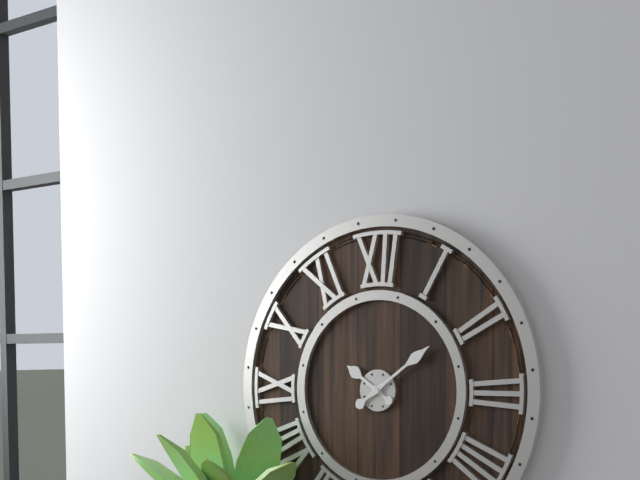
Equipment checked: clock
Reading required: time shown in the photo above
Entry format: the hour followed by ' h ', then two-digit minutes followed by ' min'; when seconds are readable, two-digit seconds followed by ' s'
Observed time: 10 h 09 min
